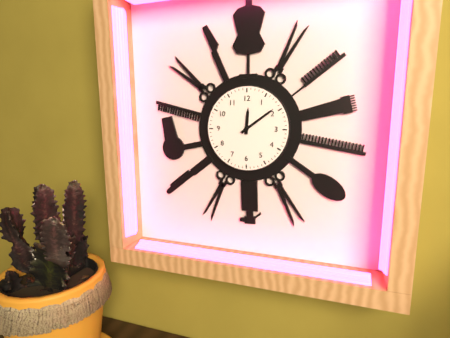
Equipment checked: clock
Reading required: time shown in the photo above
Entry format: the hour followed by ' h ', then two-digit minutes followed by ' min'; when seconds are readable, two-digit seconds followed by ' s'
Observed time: 12 h 09 min
